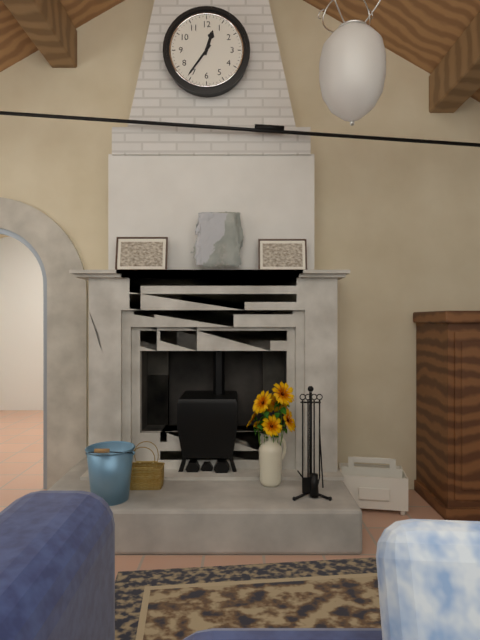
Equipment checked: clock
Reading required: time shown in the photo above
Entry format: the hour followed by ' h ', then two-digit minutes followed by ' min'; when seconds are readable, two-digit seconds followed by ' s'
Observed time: 12 h 36 min
